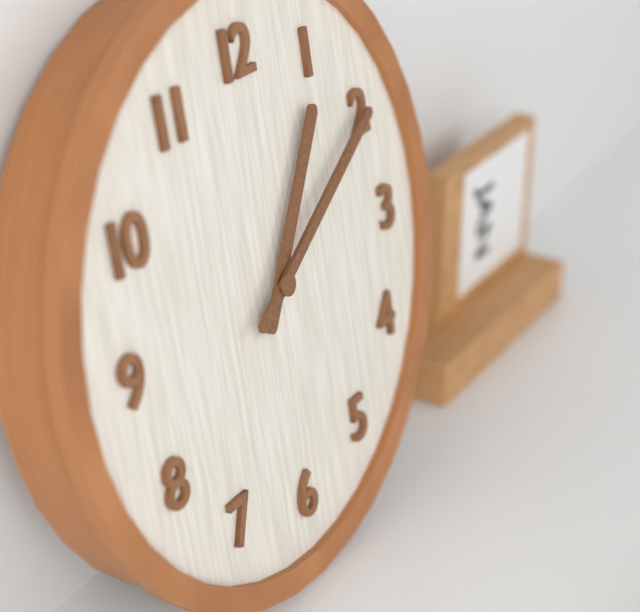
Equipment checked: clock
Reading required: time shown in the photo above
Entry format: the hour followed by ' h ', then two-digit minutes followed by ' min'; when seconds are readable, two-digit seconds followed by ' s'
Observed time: 1 h 10 min
